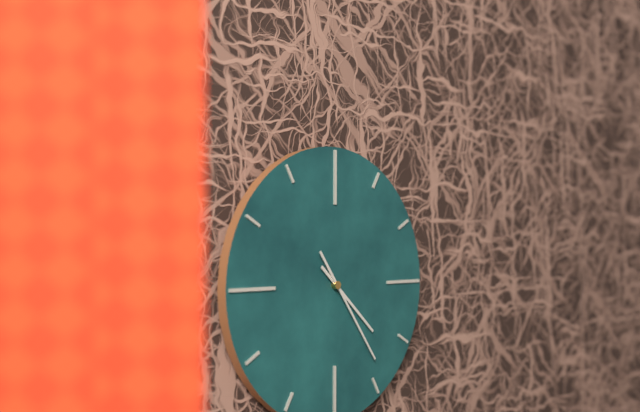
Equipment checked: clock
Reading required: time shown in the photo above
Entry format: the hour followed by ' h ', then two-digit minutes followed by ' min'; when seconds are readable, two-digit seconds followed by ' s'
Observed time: 4 h 24 min
